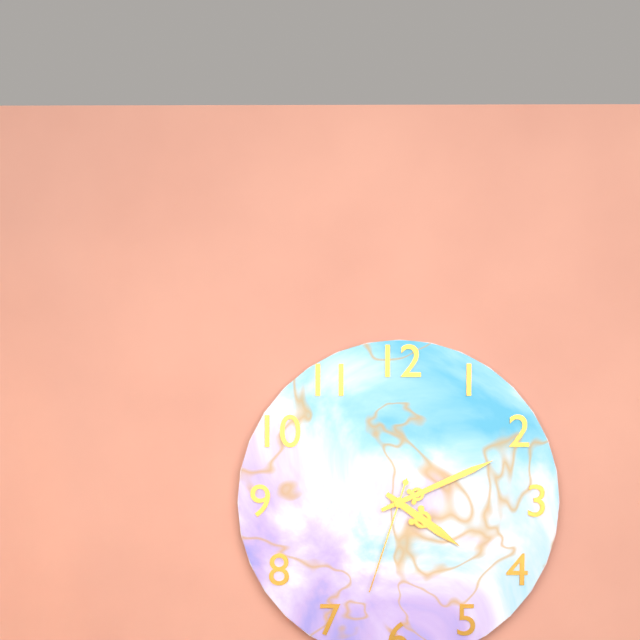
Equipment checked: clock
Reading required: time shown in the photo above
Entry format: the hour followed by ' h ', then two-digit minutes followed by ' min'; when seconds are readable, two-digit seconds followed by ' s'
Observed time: 4 h 11 min 33 s
